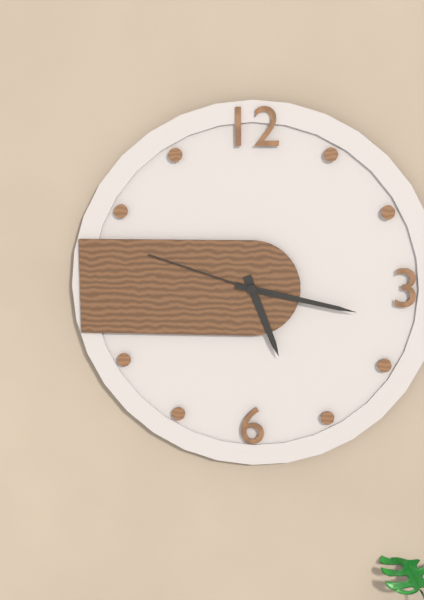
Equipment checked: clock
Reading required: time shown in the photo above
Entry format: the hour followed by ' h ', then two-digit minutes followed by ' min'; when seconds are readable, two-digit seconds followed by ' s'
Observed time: 5 h 17 min 48 s
